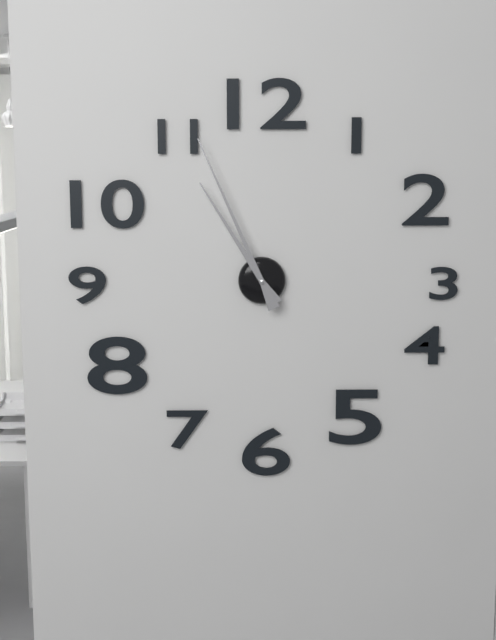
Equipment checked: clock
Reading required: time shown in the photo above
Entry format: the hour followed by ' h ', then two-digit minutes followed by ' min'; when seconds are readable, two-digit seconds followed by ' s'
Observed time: 10 h 56 min
